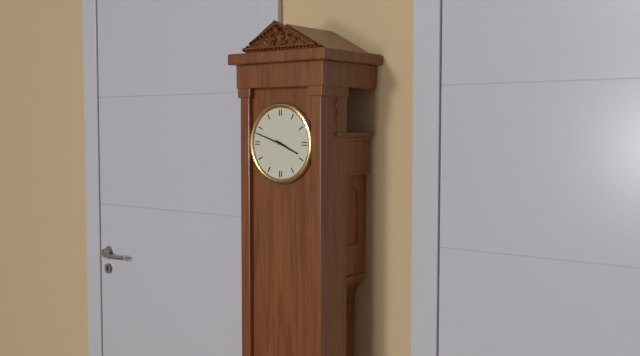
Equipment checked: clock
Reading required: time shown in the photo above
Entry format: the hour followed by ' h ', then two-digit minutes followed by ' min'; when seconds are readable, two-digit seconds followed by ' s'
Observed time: 3 h 48 min
